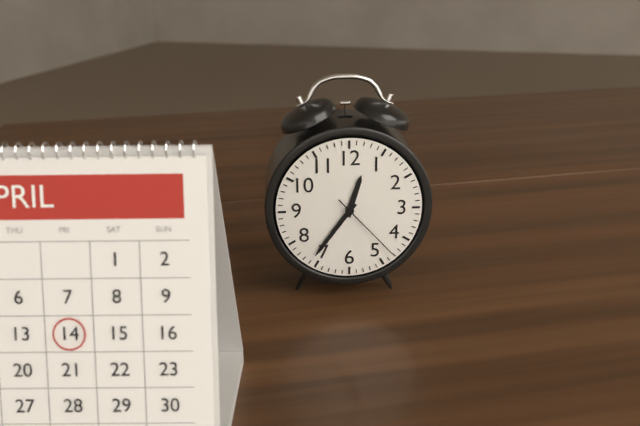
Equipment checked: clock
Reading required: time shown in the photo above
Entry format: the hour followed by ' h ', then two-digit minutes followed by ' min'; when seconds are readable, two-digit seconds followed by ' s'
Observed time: 12 h 36 min 23 s
